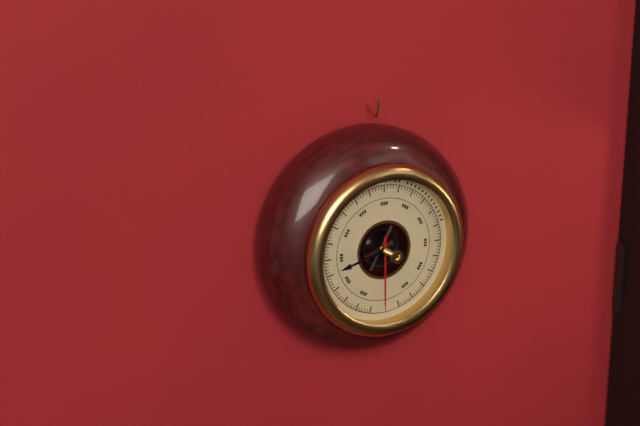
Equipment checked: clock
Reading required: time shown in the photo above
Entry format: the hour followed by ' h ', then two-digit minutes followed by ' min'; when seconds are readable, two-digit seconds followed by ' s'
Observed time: 8 h 30 min
